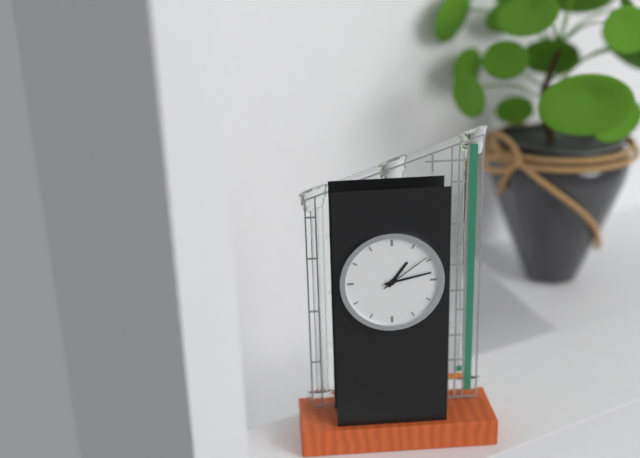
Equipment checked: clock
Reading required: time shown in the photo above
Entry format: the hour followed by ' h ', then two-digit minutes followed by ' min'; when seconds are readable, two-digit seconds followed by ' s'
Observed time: 1 h 13 min 09 s
